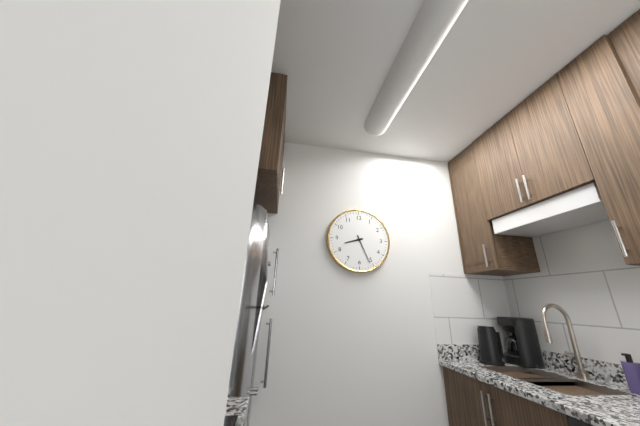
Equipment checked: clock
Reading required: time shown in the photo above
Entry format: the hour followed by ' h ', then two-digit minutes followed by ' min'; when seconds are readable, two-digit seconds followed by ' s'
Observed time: 8 h 26 min
